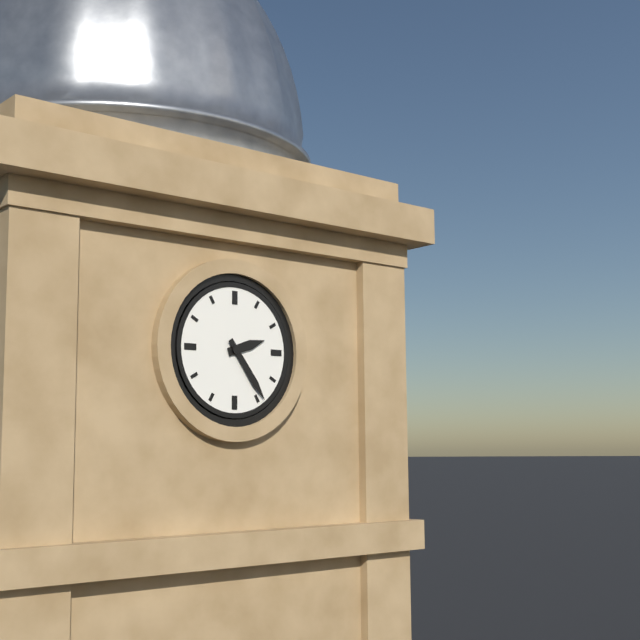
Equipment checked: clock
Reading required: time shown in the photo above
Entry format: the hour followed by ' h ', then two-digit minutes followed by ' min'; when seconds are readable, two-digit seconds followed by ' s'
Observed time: 2 h 24 min
